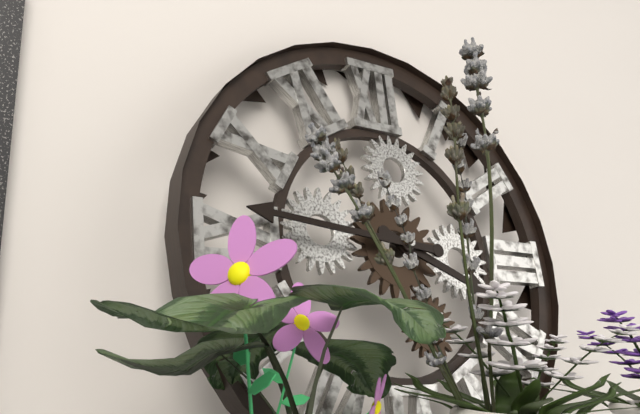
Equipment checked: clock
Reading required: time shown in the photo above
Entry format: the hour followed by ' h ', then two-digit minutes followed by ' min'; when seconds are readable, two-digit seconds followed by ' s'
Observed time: 3 h 46 min
